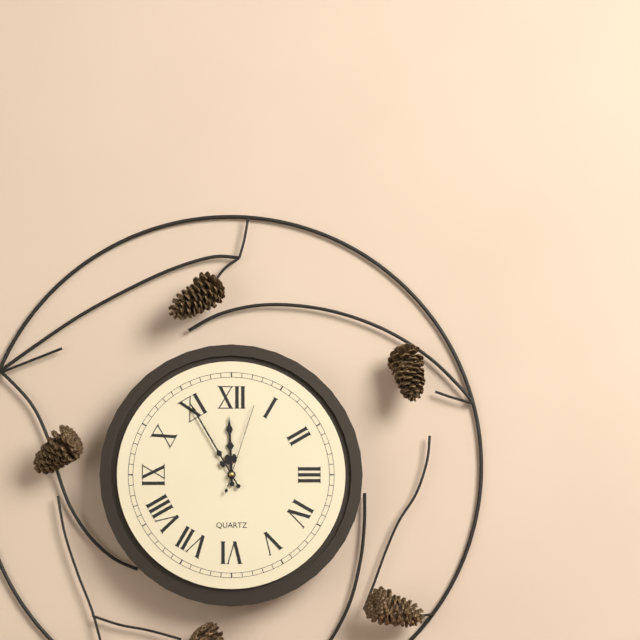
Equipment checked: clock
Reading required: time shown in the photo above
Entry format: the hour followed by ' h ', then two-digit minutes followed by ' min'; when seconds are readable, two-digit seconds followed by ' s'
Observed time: 11 h 55 min 03 s
